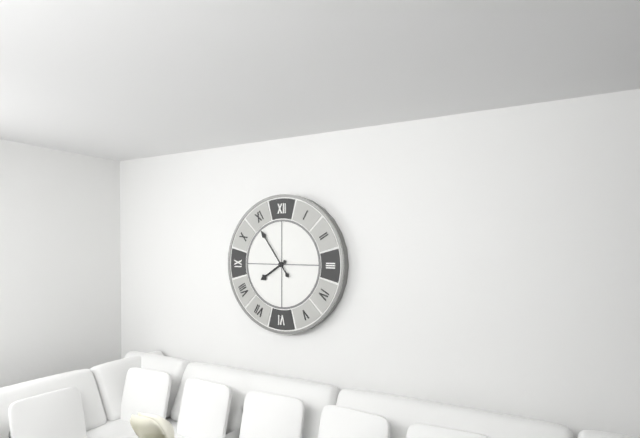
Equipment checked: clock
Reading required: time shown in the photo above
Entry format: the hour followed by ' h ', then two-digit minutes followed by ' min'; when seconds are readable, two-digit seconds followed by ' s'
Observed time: 7 h 54 min
